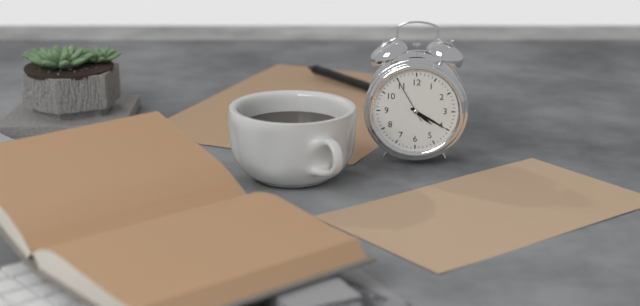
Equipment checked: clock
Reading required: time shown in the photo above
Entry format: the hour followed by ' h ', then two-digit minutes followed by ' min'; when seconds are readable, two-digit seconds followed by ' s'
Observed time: 4 h 20 min
